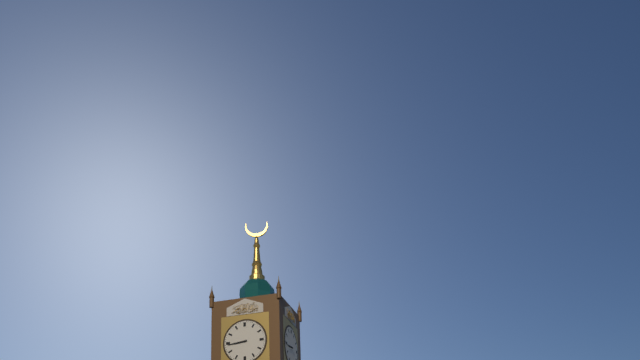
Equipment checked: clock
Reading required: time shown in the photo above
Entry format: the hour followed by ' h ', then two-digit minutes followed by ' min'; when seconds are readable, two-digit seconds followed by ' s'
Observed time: 8 h 44 min
